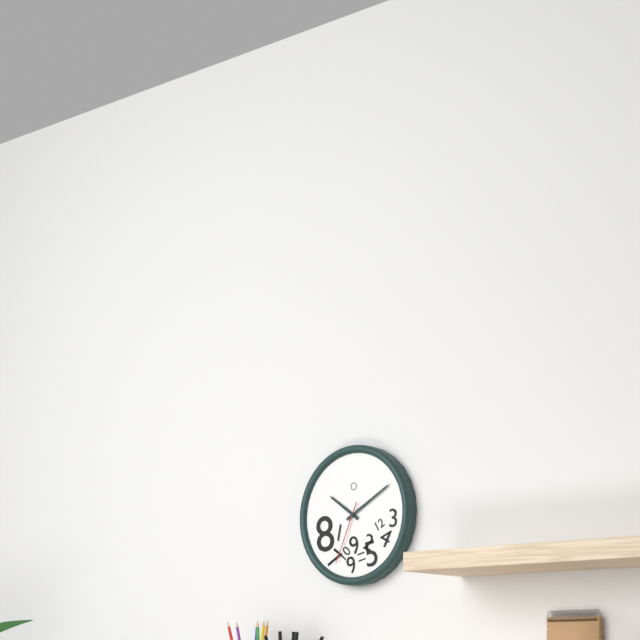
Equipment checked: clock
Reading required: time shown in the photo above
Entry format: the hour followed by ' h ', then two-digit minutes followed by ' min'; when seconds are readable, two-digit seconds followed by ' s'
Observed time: 10 h 10 min 34 s
